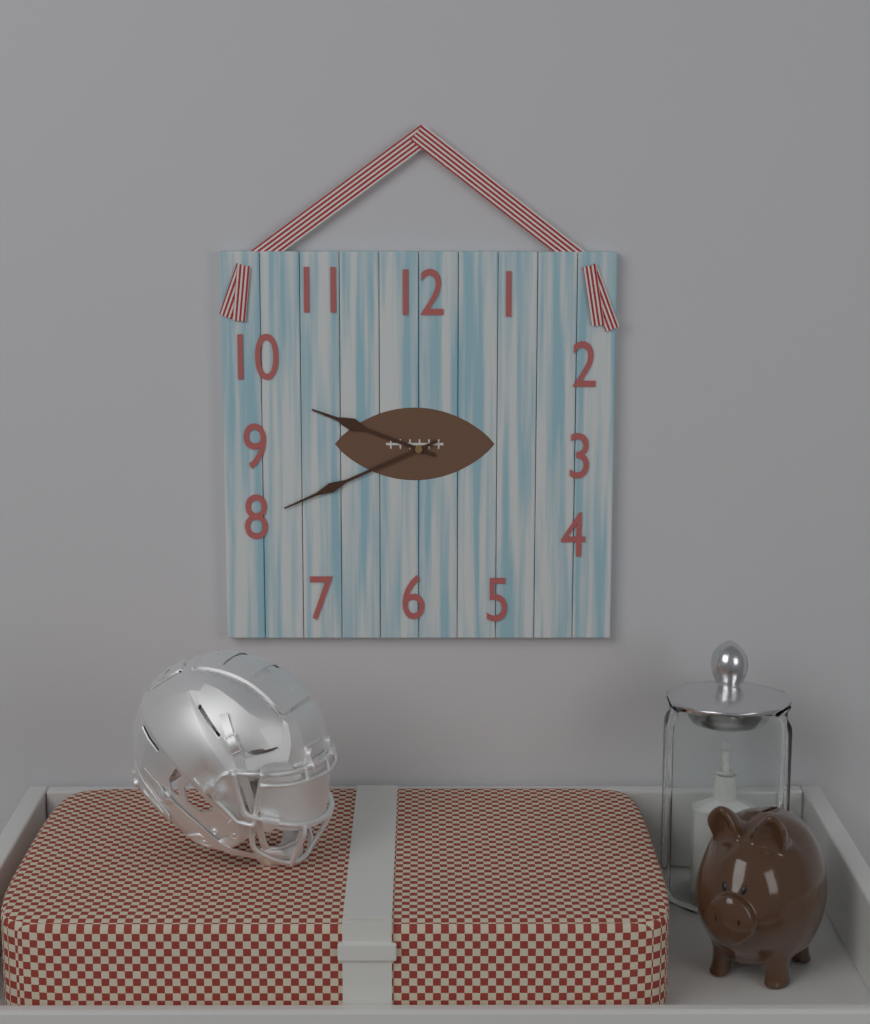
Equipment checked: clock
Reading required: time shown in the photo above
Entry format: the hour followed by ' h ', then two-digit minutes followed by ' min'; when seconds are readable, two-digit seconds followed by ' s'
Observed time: 9 h 41 min
